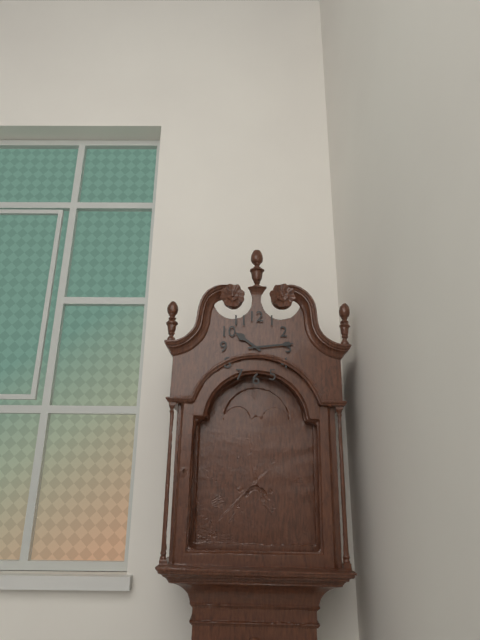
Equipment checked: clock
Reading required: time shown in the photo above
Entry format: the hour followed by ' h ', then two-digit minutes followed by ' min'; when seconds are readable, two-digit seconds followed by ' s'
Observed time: 10 h 14 min
